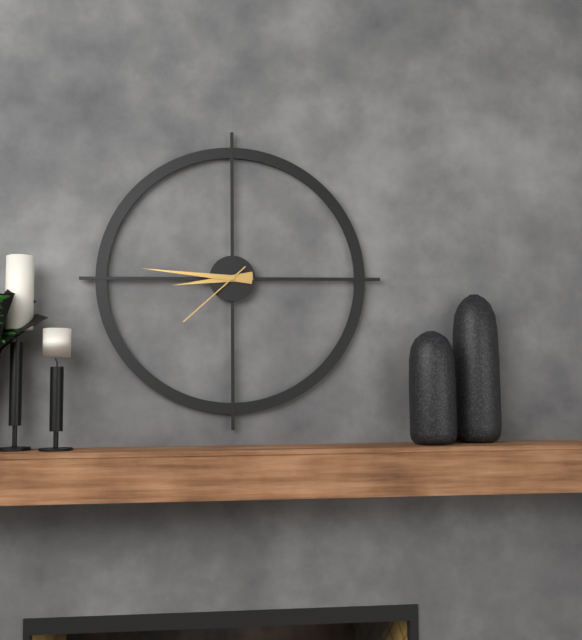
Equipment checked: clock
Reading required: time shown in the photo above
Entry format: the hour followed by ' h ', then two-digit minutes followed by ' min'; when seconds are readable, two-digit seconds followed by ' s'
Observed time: 8 h 46 min 38 s
